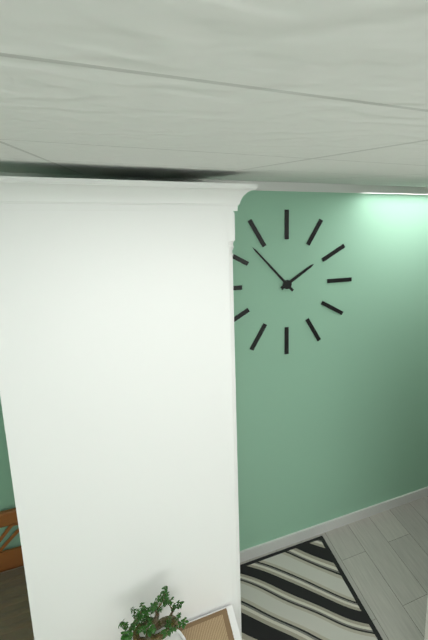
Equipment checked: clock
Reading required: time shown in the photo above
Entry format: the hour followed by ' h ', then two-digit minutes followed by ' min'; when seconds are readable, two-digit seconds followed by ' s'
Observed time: 1 h 53 min
